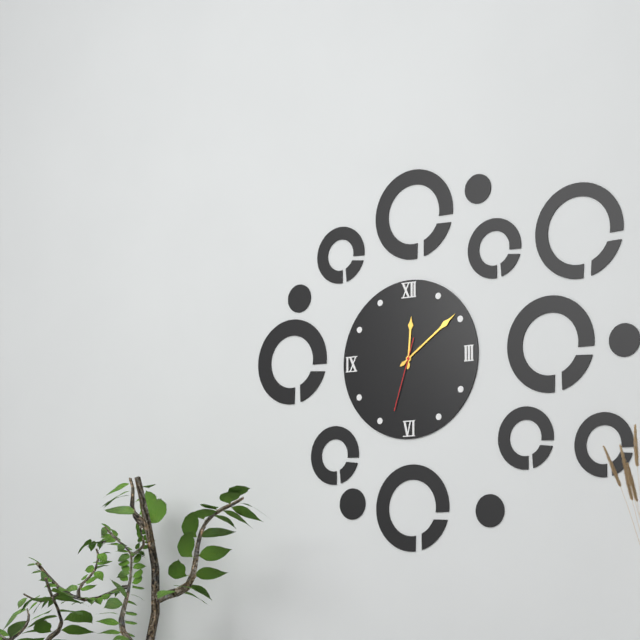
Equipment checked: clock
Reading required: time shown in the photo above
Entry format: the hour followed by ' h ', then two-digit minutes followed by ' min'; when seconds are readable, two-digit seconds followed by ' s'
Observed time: 12 h 09 min 33 s
